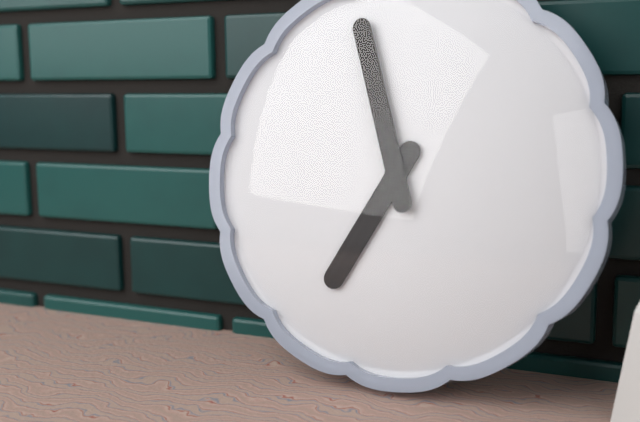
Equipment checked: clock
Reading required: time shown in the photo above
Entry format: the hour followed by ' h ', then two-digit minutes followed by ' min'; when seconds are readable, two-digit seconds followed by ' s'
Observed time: 6 h 57 min
